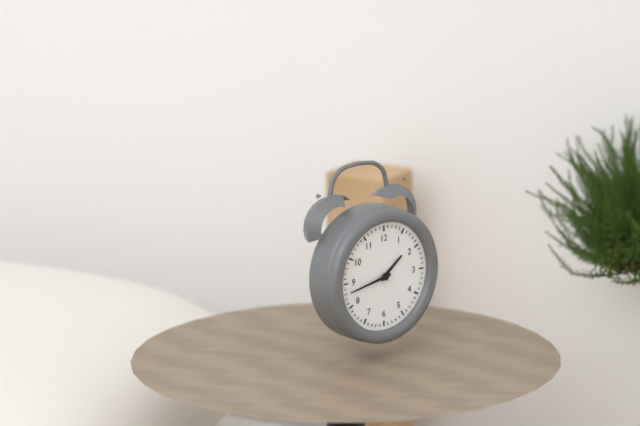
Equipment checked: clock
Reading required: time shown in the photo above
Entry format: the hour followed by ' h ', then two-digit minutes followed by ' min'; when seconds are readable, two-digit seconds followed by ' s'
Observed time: 1 h 43 min
